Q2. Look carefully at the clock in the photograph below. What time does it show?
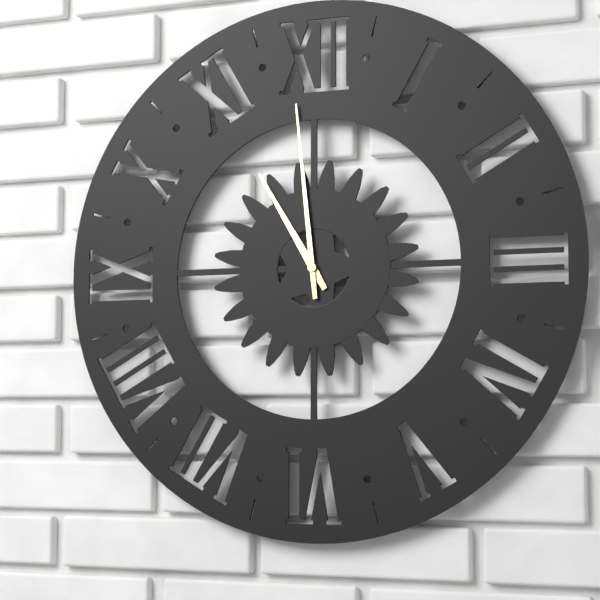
10:59
